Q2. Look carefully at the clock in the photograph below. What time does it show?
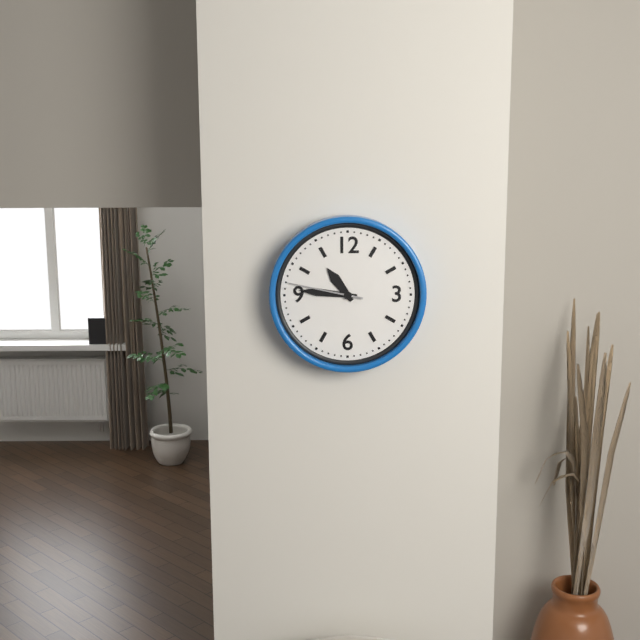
10:46:47
